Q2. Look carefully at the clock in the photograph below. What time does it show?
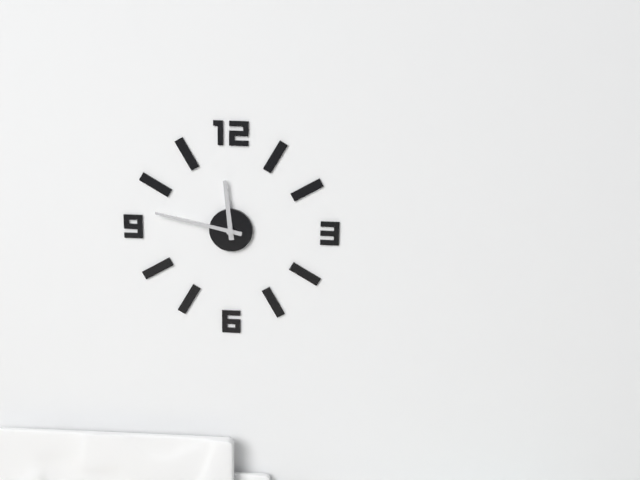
11:47
